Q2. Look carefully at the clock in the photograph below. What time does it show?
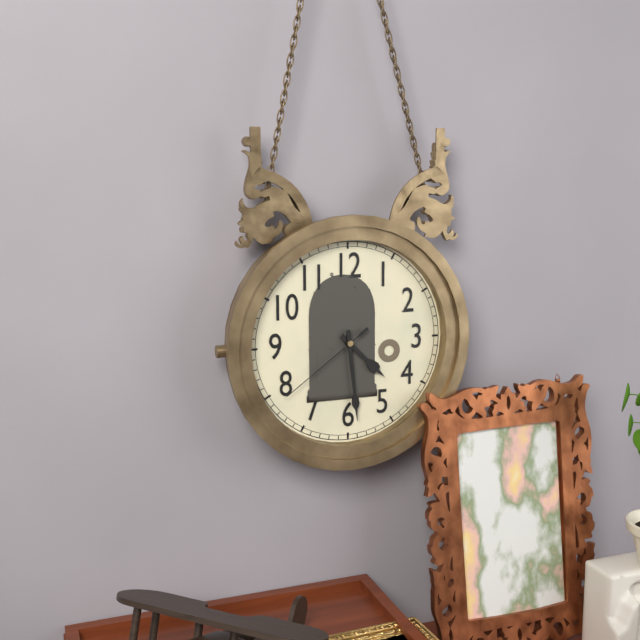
4:29:39
